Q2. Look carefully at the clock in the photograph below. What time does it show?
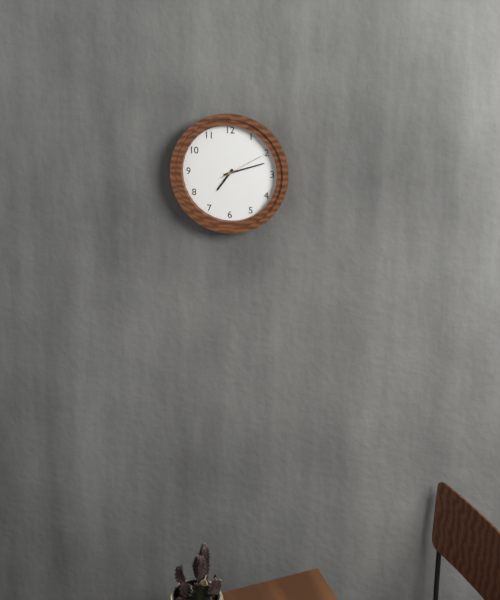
7:12:10
